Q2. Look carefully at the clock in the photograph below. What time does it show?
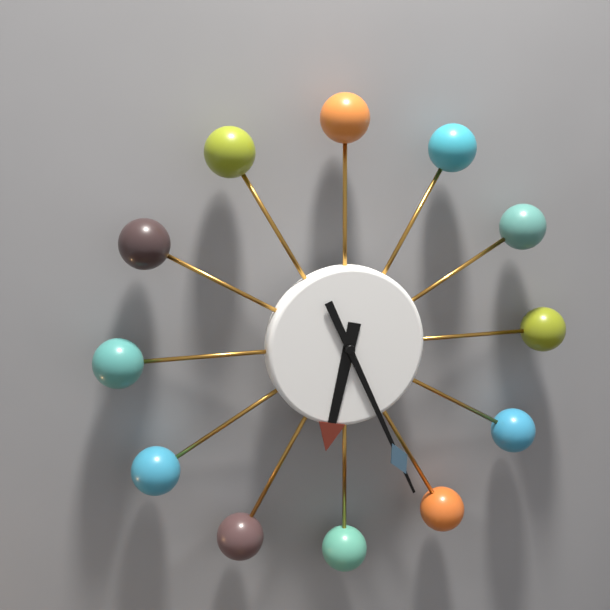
6:26
